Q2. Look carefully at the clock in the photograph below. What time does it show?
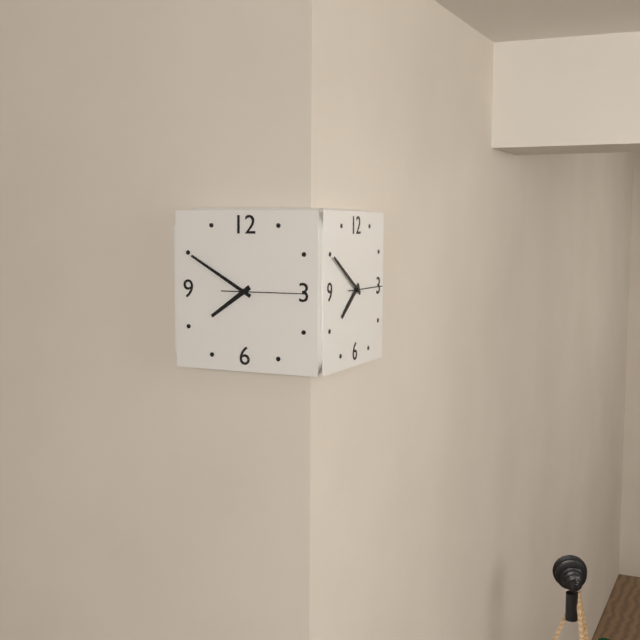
7:50:15
